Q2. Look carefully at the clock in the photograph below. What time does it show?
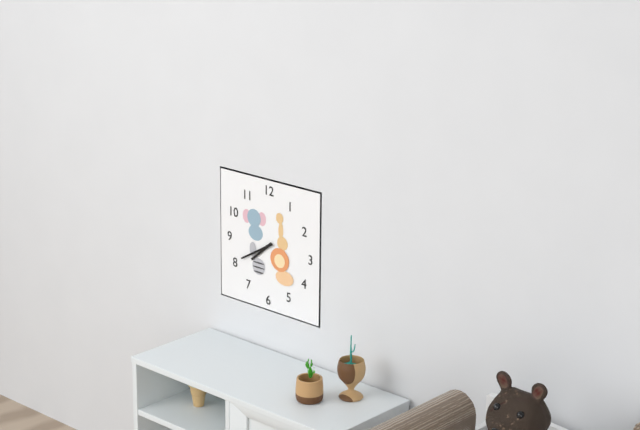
7:40
